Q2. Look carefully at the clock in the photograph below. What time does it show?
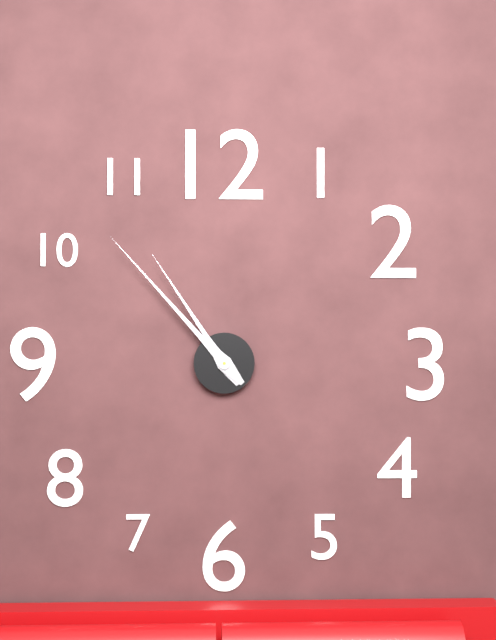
10:53
